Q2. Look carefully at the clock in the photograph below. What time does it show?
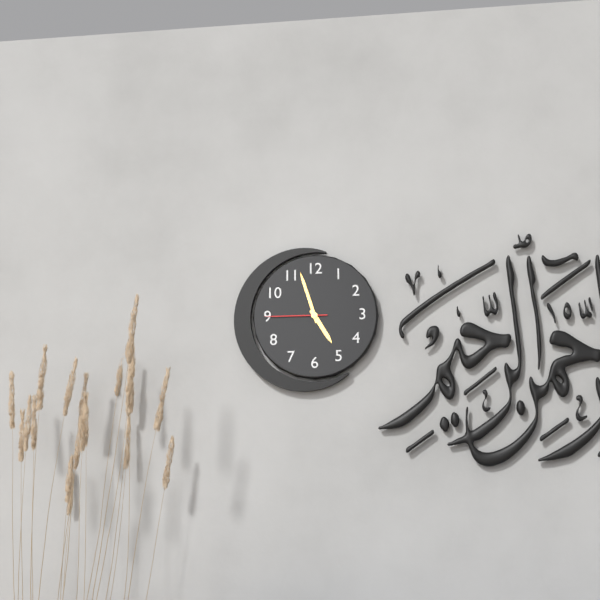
4:57:45
